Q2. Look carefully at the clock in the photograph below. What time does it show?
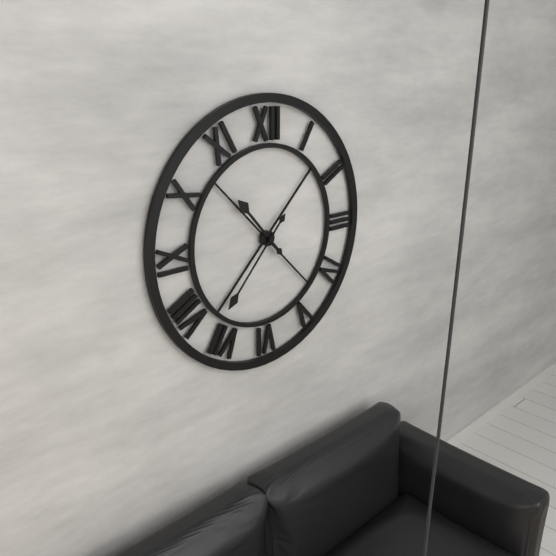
10:37
